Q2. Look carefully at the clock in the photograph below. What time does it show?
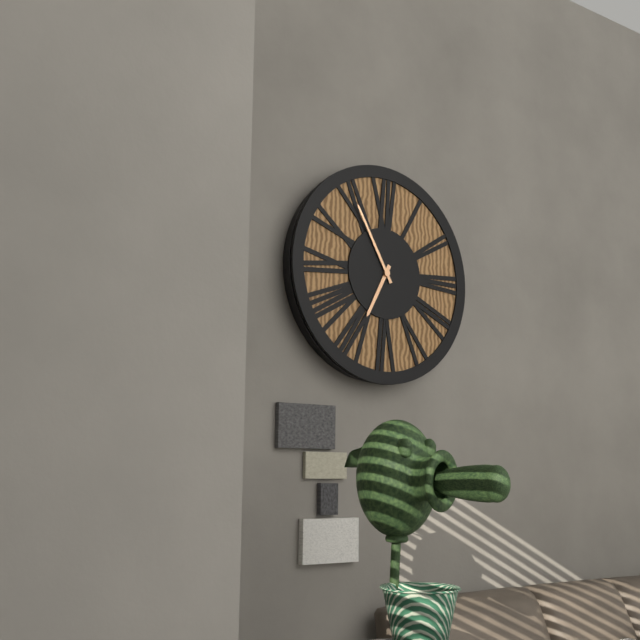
6:55
